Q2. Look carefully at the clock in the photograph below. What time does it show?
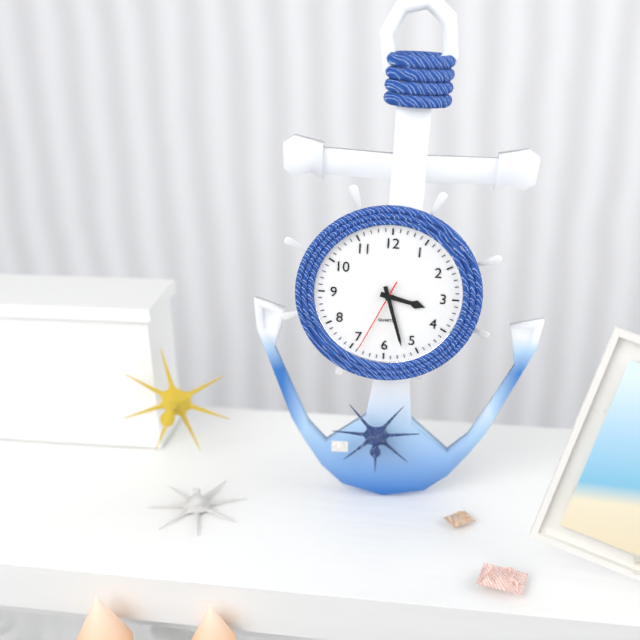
3:27:34
